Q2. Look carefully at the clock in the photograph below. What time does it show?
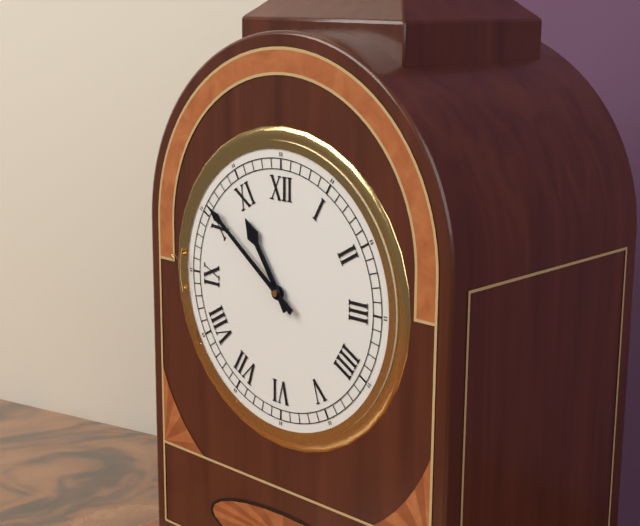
10:51
